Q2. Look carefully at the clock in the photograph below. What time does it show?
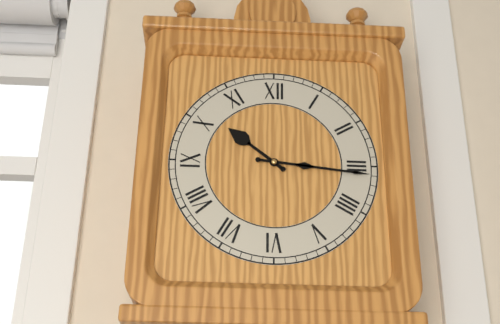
10:16
